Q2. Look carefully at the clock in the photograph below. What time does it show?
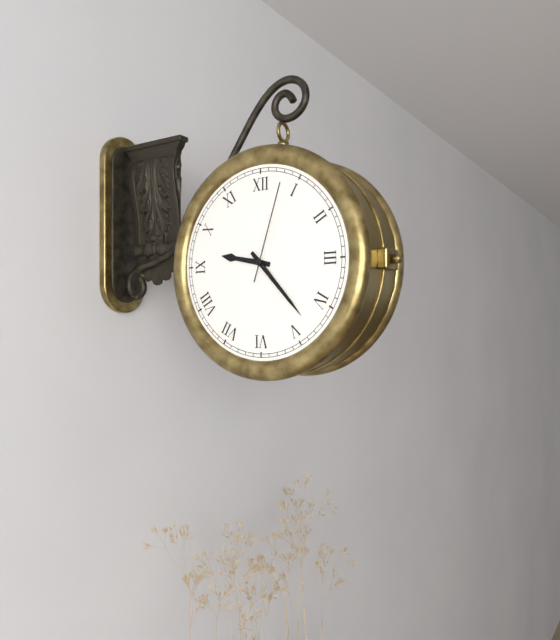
9:23:03
